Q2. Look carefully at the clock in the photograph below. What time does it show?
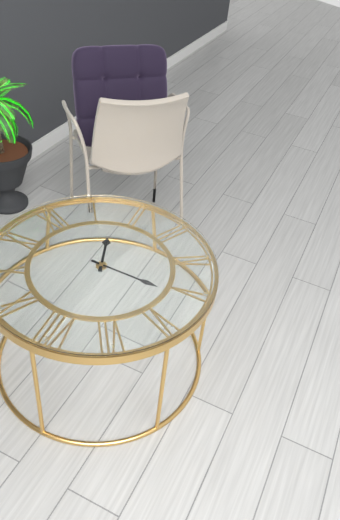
1:26
